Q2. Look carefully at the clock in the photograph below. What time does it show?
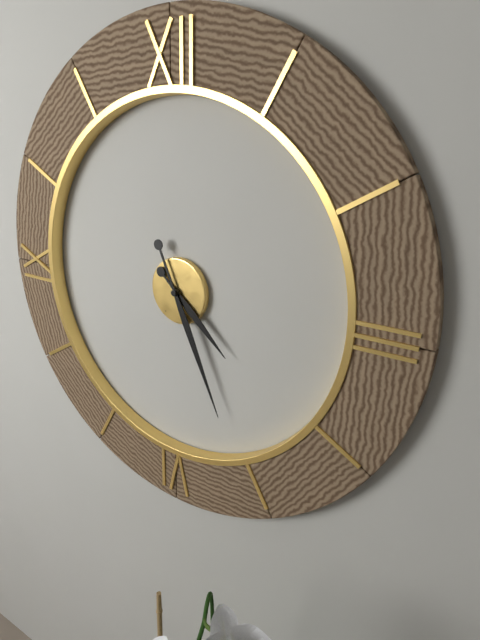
4:26
